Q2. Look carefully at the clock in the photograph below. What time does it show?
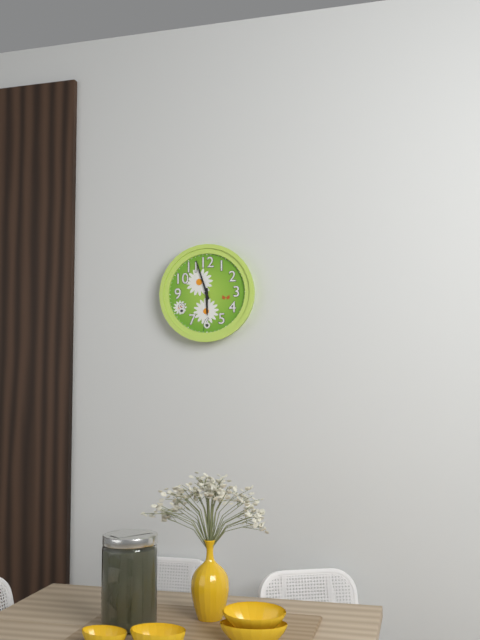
5:57
